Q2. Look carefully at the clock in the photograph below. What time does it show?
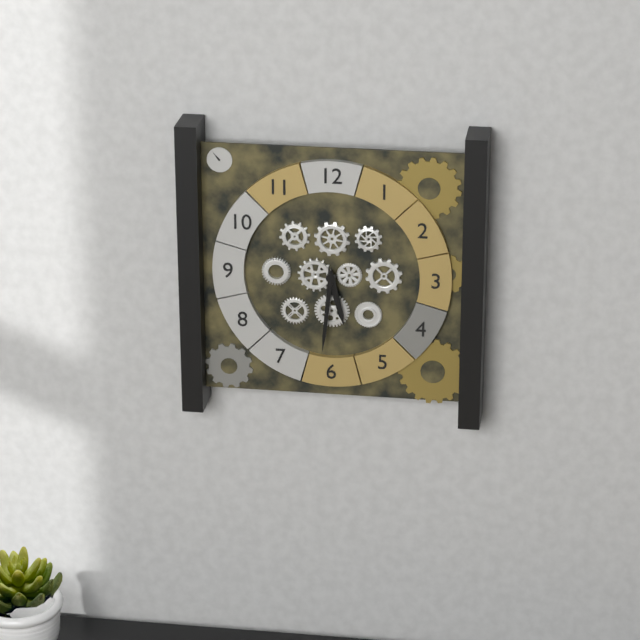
5:31
